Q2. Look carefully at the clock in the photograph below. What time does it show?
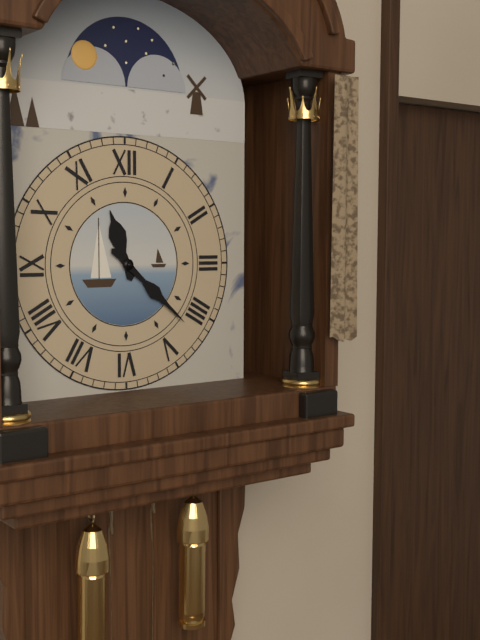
11:22
